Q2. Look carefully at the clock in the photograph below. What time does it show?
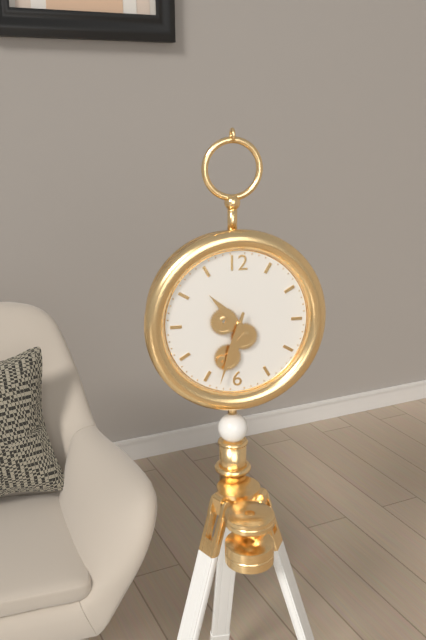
10:33
